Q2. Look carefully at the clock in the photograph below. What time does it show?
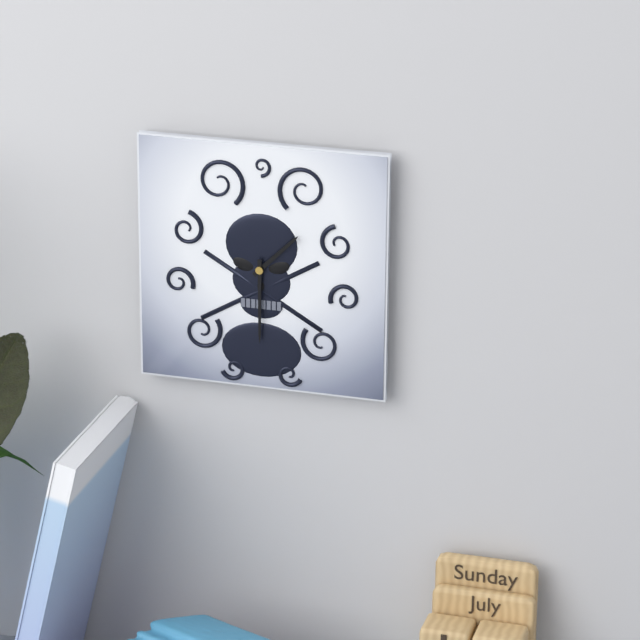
1:30
